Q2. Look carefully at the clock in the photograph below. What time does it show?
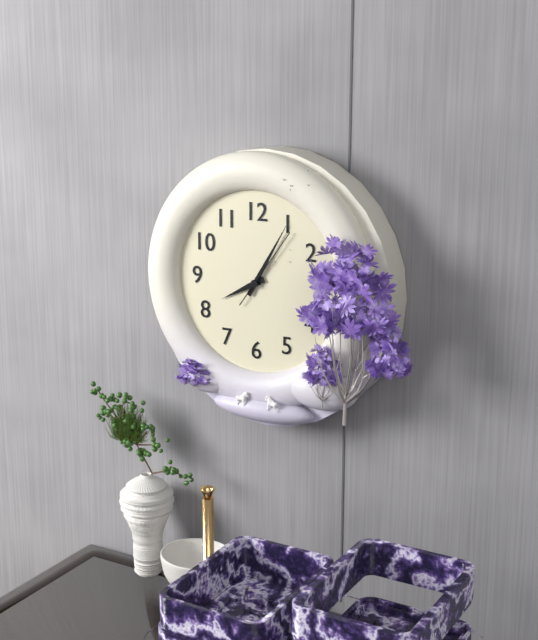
8:05:06
